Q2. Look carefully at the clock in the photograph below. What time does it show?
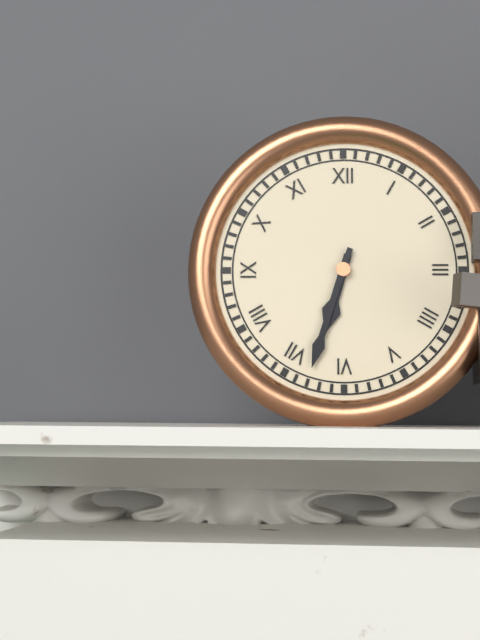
6:33
